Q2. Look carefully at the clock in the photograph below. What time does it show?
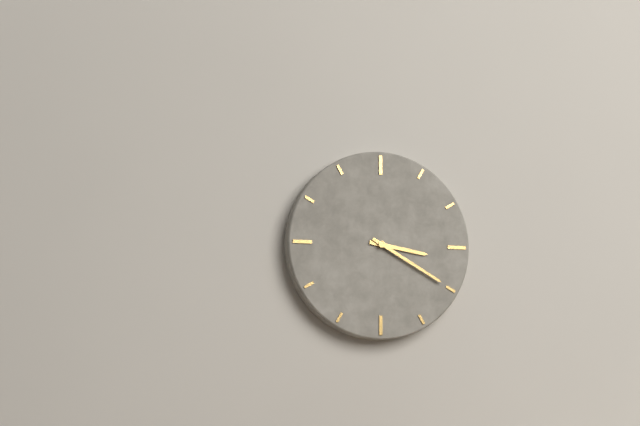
3:20
